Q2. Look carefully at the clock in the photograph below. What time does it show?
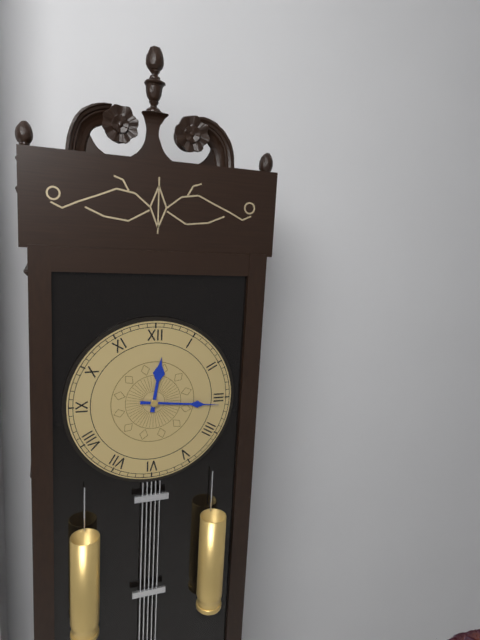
12:16
